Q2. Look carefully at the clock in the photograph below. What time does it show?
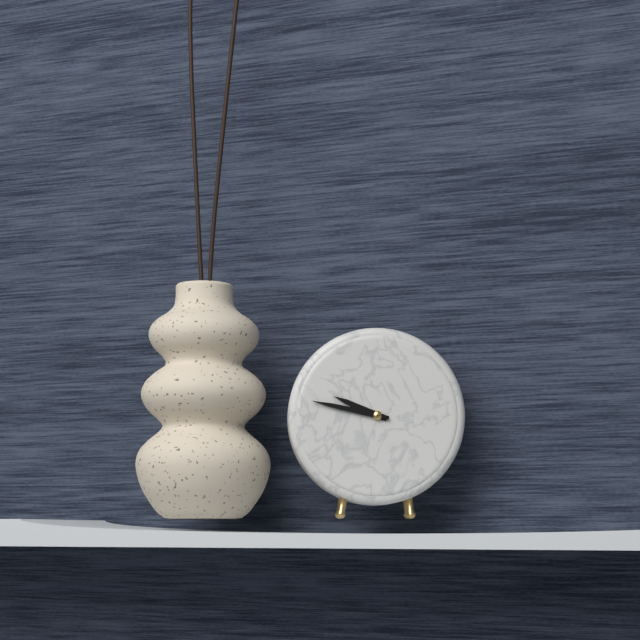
9:47
